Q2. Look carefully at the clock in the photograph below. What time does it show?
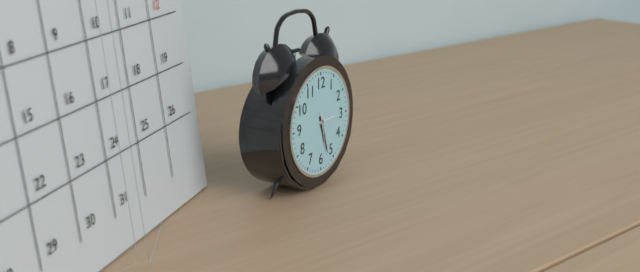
5:27
